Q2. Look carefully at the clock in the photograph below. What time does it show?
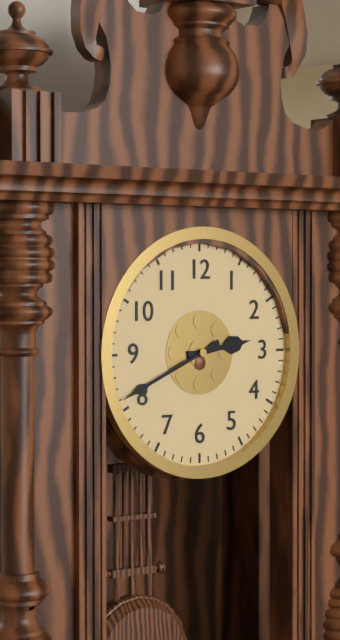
2:41
